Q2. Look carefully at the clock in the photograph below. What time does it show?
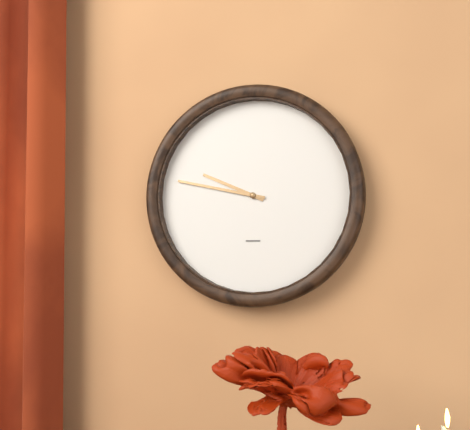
9:47
